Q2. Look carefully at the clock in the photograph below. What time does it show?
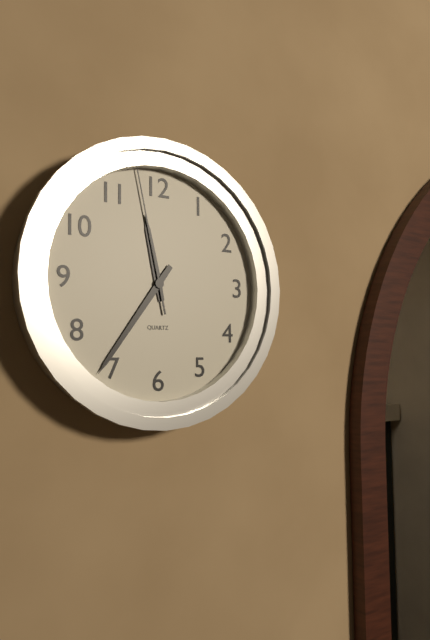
11:36:58
